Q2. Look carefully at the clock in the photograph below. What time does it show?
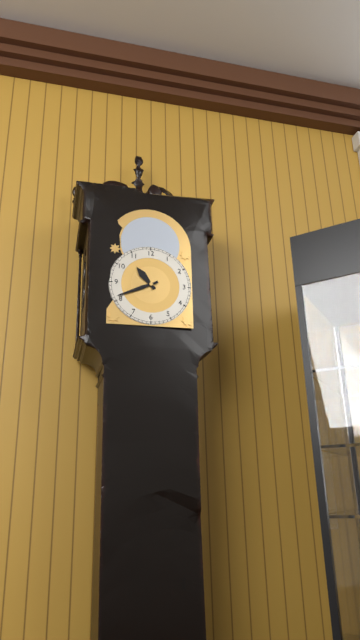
10:41
